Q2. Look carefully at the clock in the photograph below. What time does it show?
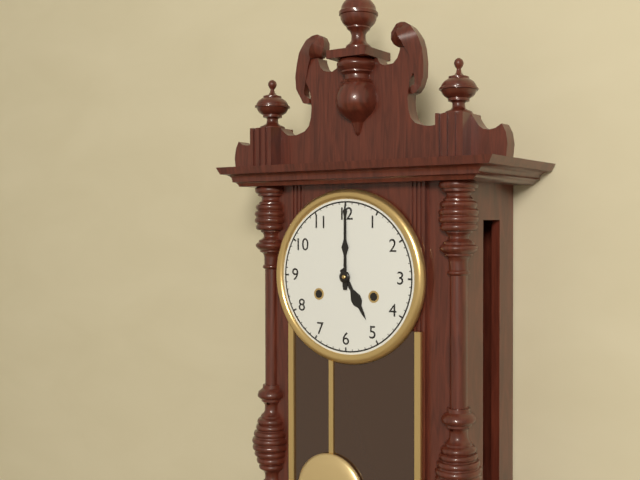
5:00
